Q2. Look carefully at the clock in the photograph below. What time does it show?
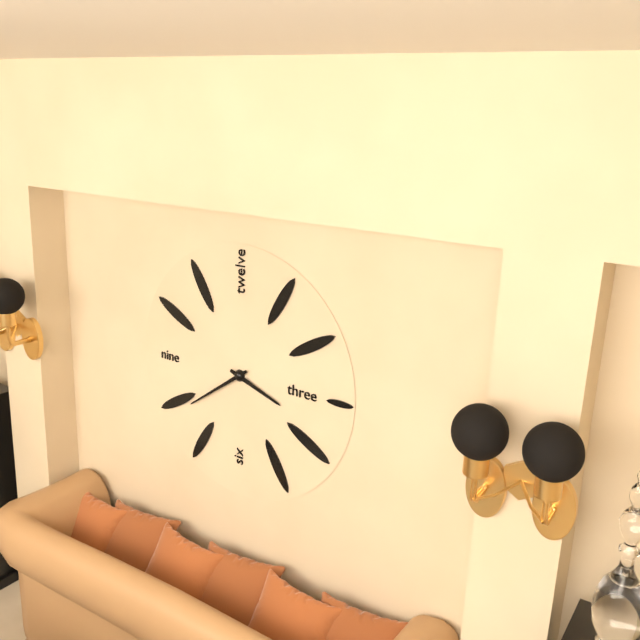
3:39
